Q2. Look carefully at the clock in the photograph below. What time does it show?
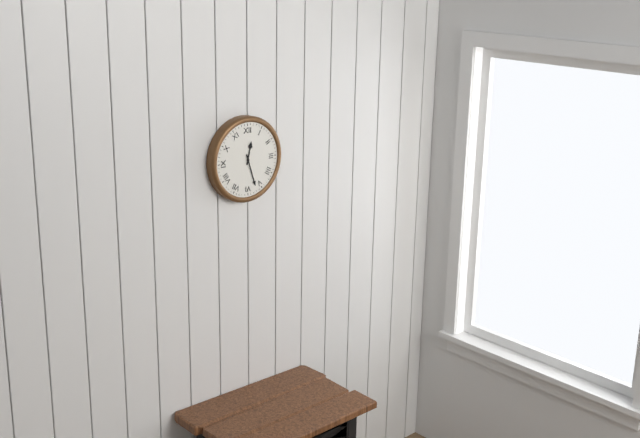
12:27
